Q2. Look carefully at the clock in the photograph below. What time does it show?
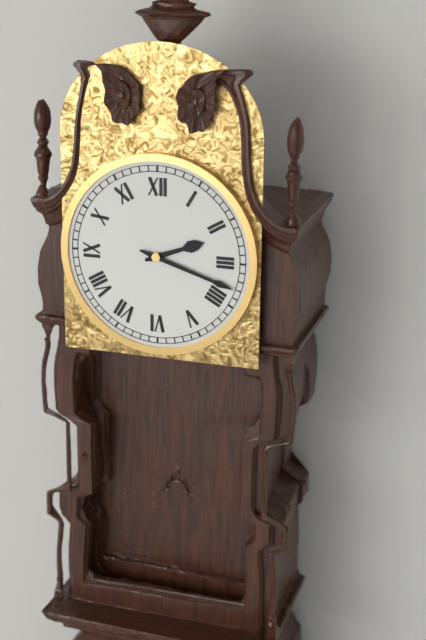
2:18
